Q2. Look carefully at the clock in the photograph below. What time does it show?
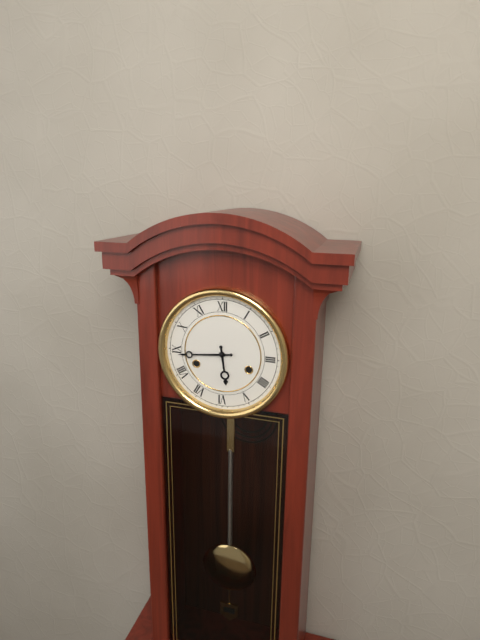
5:44
